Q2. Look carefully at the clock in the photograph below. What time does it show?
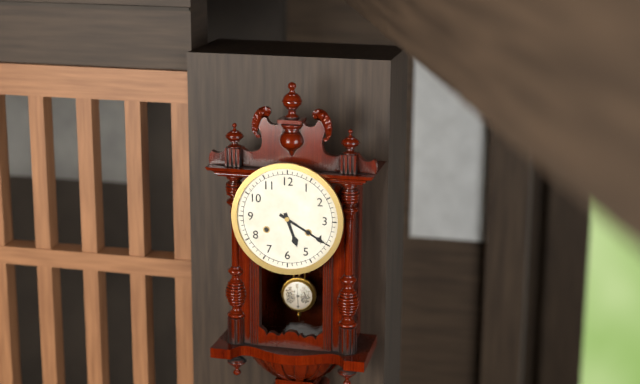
5:20
